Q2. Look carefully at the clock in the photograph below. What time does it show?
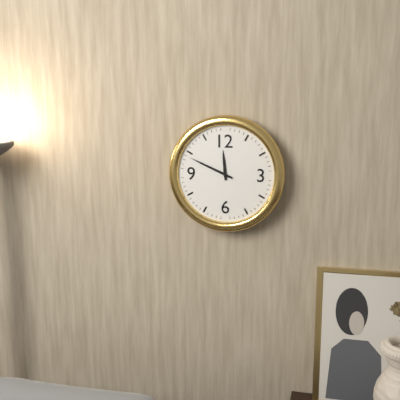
11:49
